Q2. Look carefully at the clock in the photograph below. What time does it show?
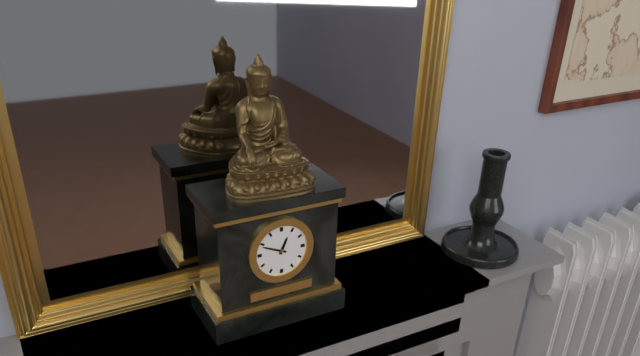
12:49
